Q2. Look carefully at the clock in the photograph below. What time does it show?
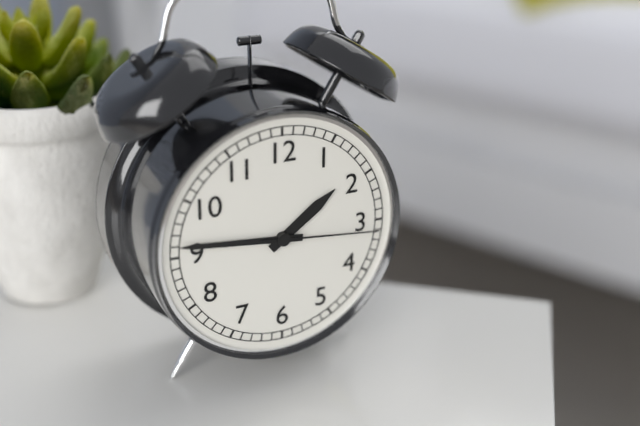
1:46:16
